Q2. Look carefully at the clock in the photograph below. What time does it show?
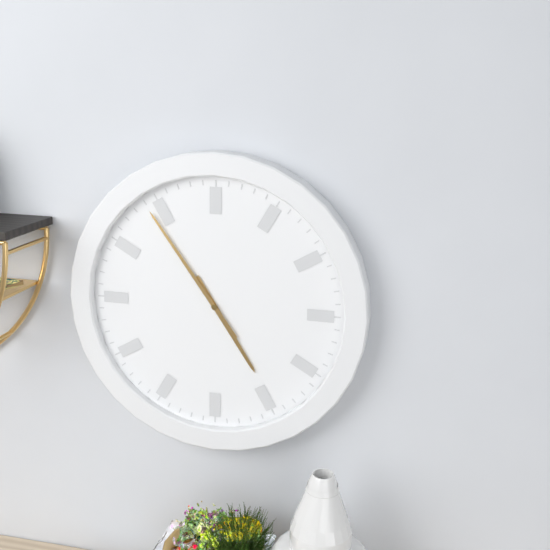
4:54
